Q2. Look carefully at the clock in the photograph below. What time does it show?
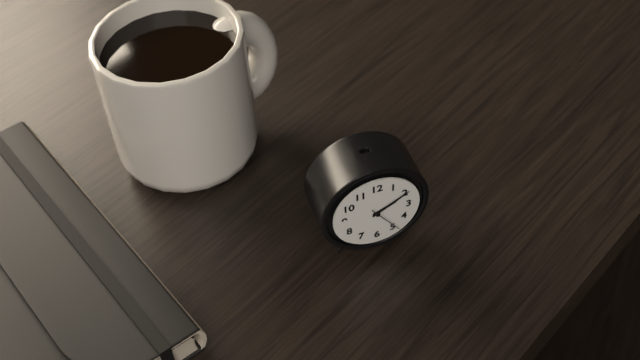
2:10
